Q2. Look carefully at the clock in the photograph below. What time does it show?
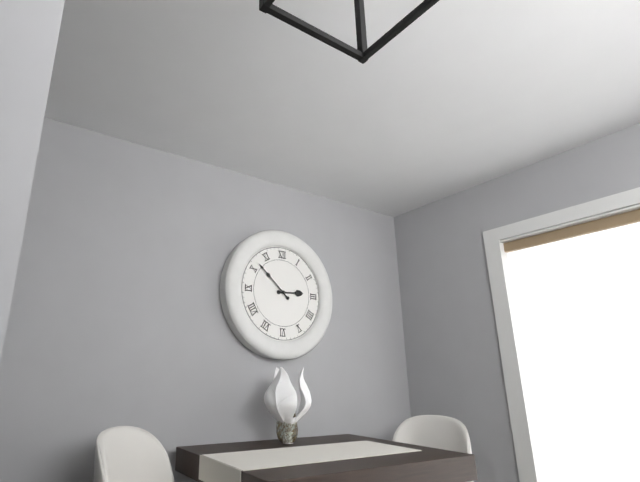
2:52
